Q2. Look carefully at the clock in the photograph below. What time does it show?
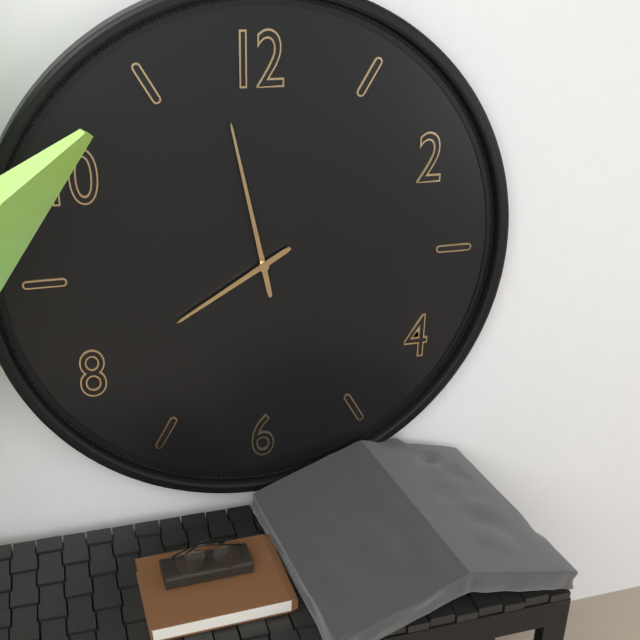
7:58
